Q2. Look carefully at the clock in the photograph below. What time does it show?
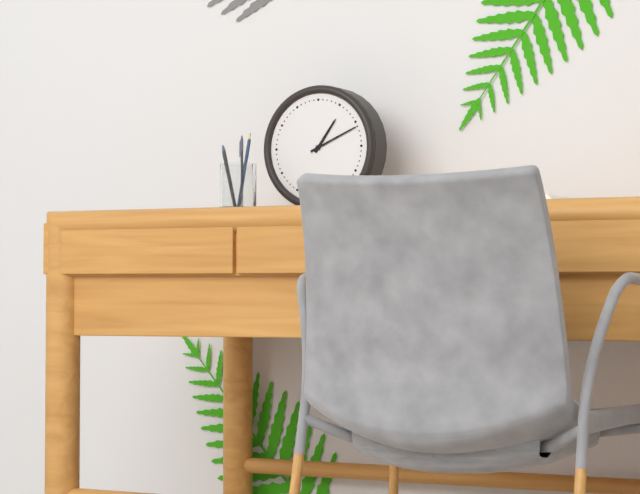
1:11
